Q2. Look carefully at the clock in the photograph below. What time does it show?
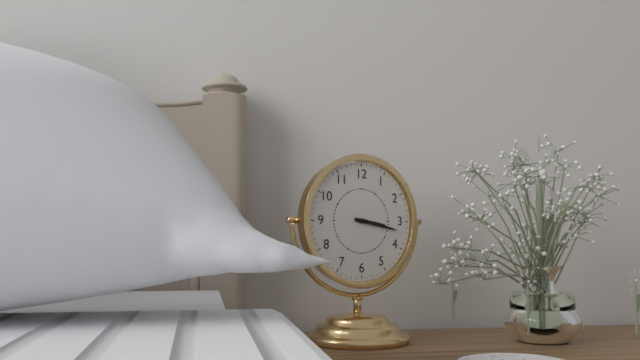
3:17
